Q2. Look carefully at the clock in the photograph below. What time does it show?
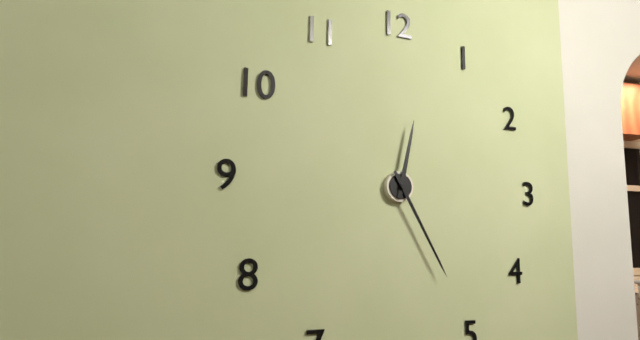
12:25
